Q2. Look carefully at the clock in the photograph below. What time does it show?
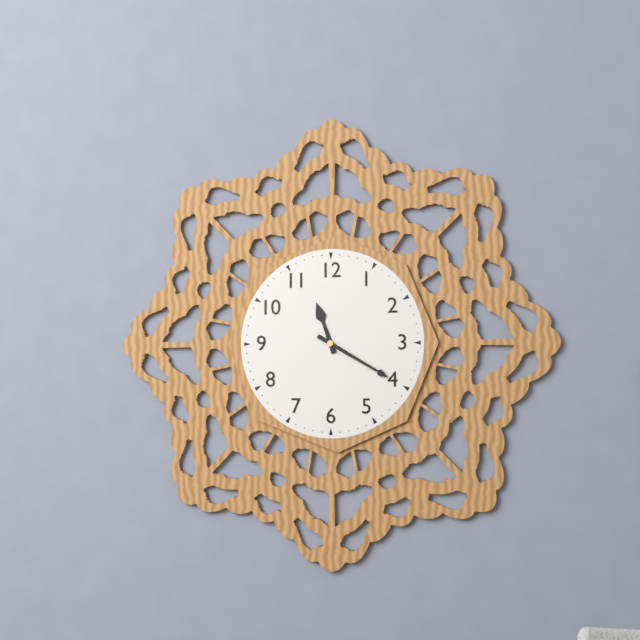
11:20
